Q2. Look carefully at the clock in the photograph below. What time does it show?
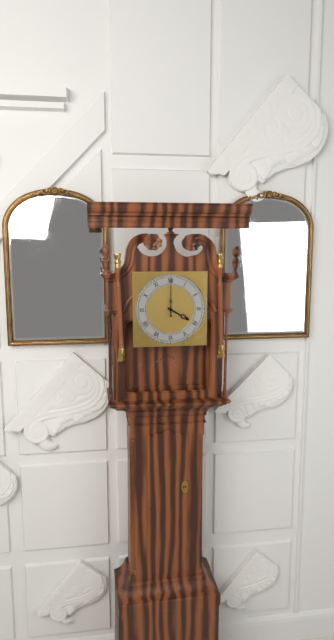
4:00
